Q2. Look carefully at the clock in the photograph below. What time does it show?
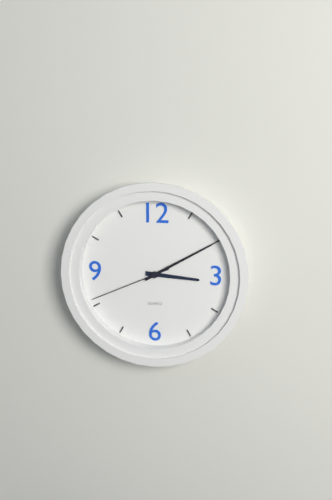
3:10:41
